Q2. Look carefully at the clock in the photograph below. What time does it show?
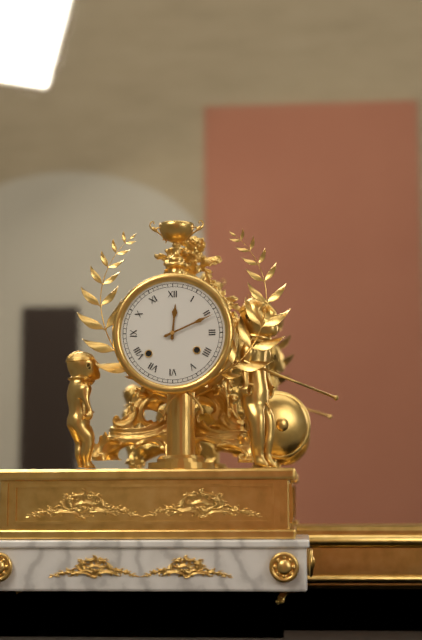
12:11
